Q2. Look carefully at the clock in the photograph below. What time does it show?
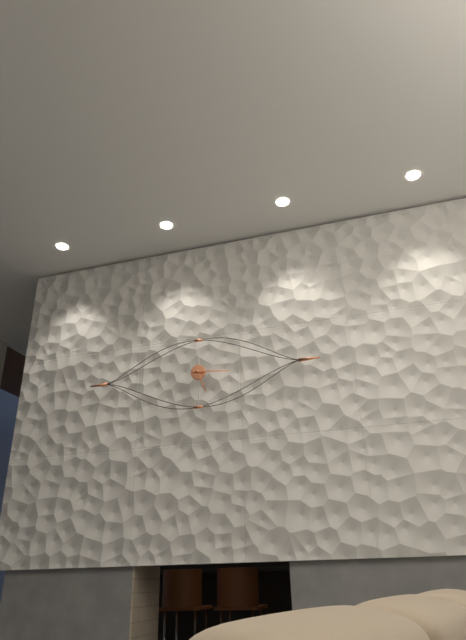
5:16
